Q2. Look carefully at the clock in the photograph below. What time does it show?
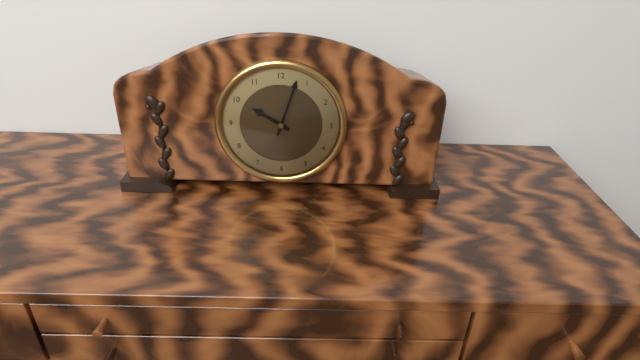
10:03
